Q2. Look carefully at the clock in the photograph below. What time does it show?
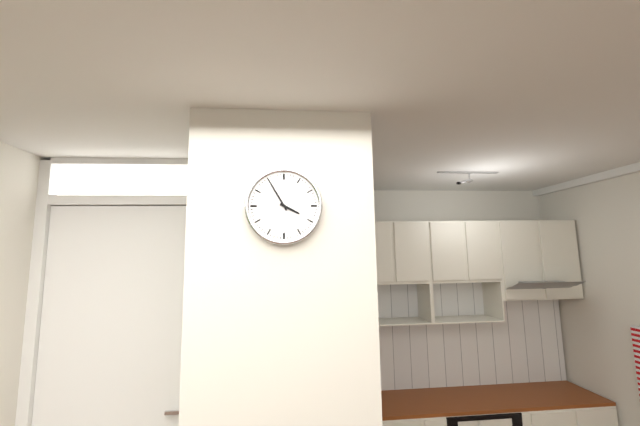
3:55
